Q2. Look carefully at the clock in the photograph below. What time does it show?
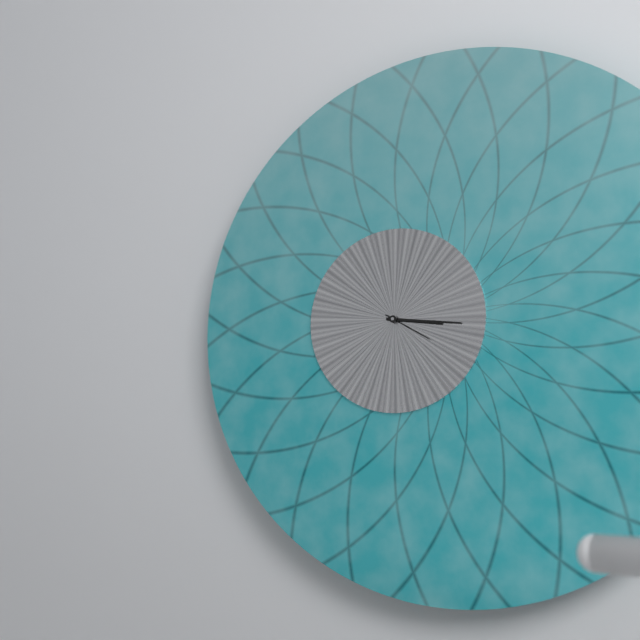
3:16:20
